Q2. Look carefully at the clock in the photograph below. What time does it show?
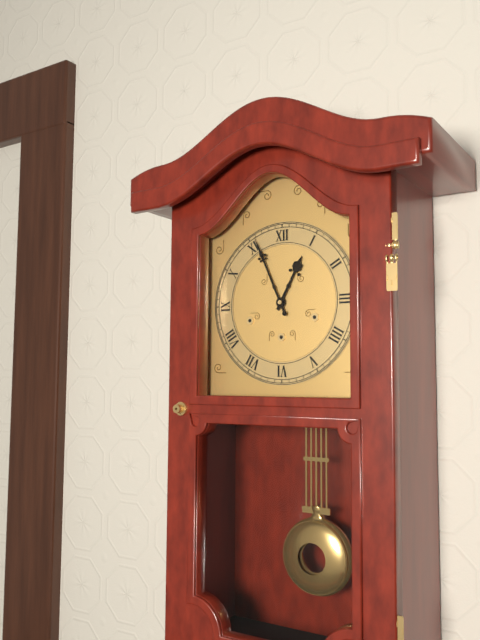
12:56
